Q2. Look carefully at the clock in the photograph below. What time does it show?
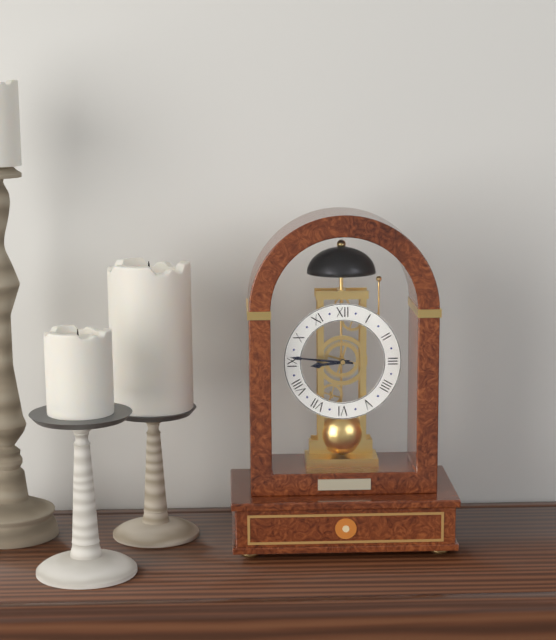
8:46
